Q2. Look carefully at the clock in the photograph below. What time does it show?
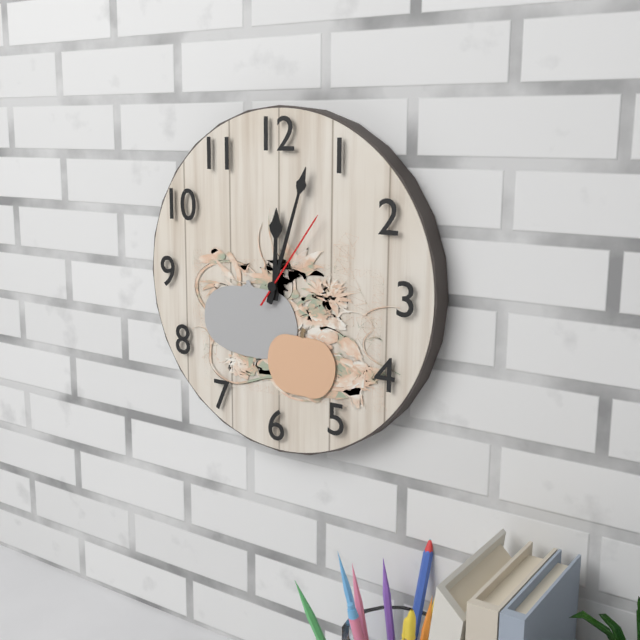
12:03:06
